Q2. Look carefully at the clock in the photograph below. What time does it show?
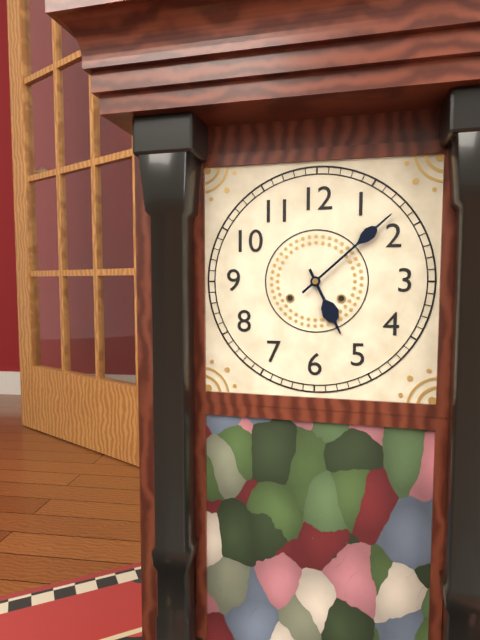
5:08
